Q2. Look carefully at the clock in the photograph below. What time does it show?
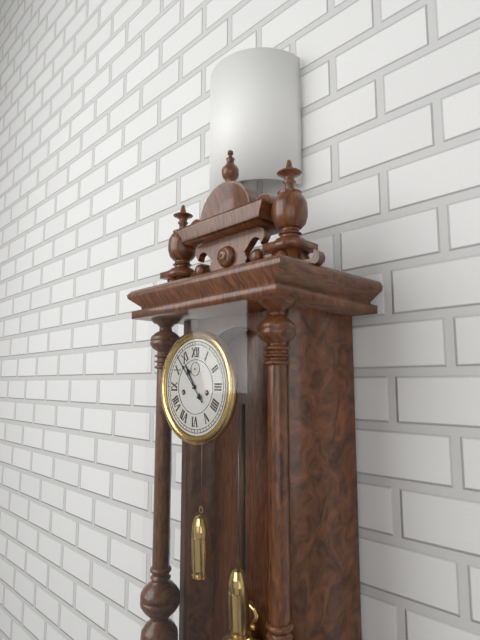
10:53
